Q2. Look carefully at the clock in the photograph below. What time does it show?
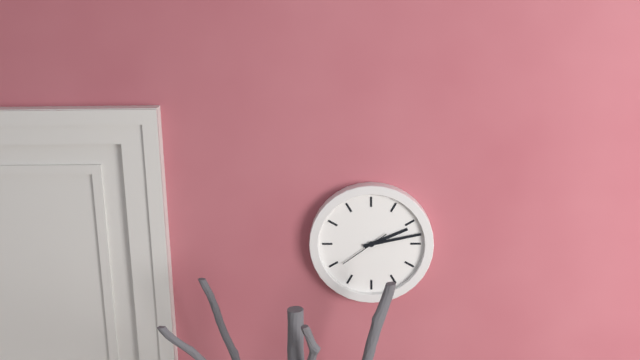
2:13
